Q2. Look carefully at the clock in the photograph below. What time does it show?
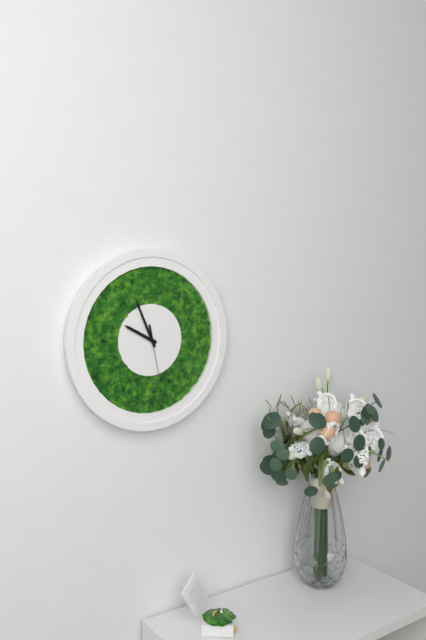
9:56
